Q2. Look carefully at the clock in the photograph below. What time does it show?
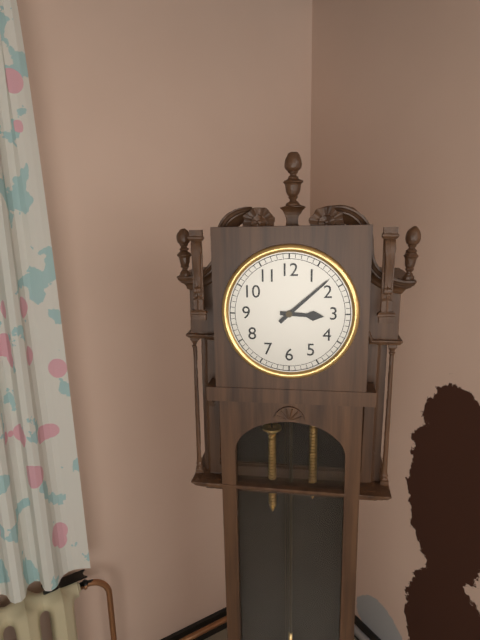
3:08
